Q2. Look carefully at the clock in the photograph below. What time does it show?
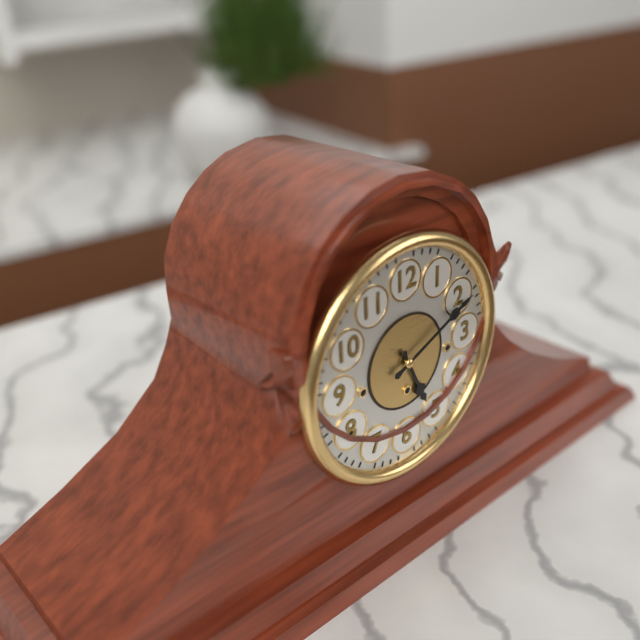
5:11
